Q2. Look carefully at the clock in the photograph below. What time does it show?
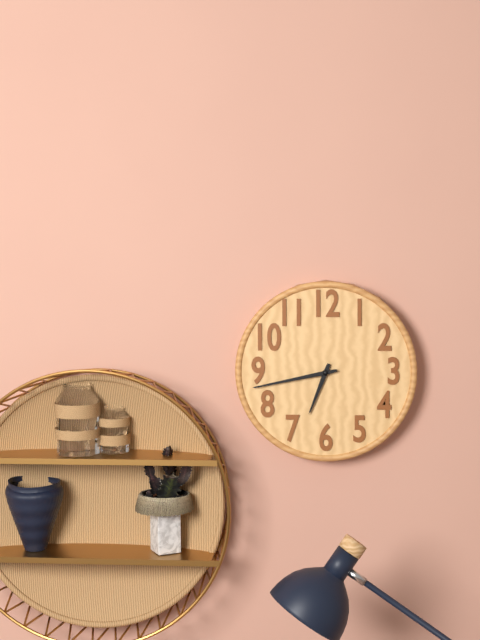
6:43
